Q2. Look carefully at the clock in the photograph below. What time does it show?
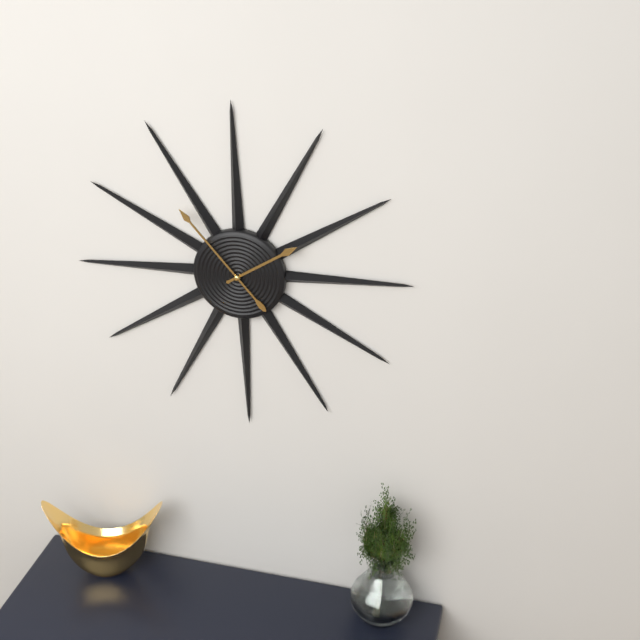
1:53
